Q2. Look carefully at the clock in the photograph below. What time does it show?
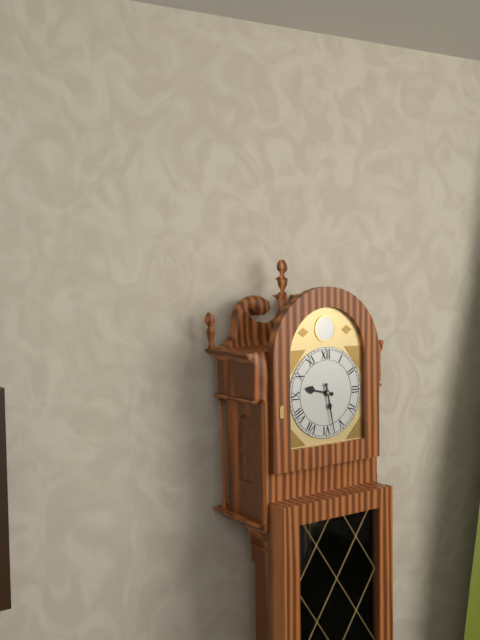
9:28
